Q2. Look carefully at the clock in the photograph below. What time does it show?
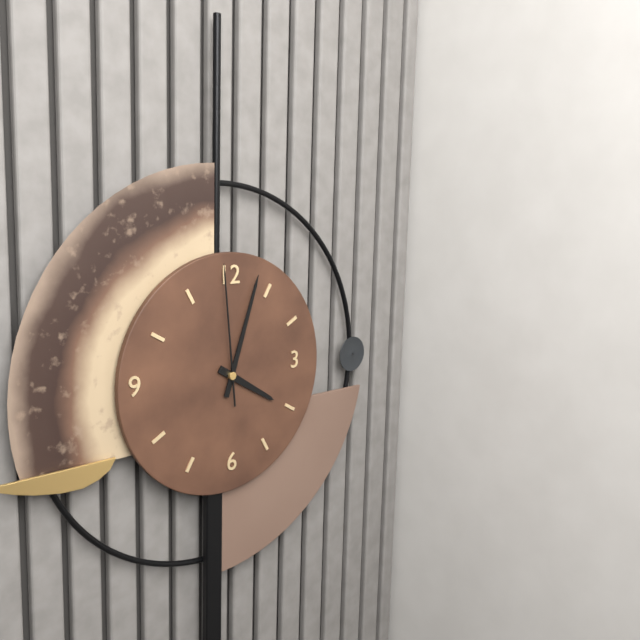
4:03:59
